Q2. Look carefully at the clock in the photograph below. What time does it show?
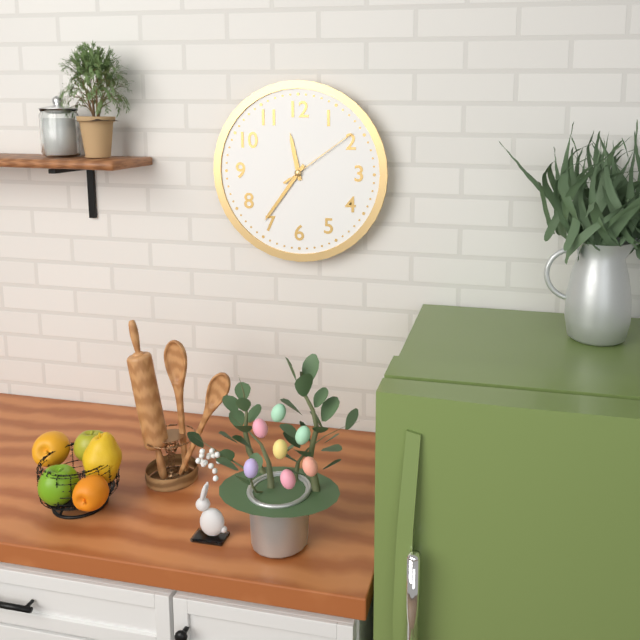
11:36:09
